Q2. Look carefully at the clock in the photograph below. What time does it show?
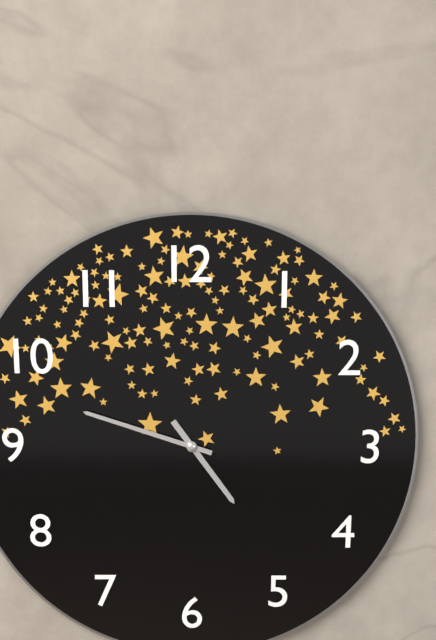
4:48
